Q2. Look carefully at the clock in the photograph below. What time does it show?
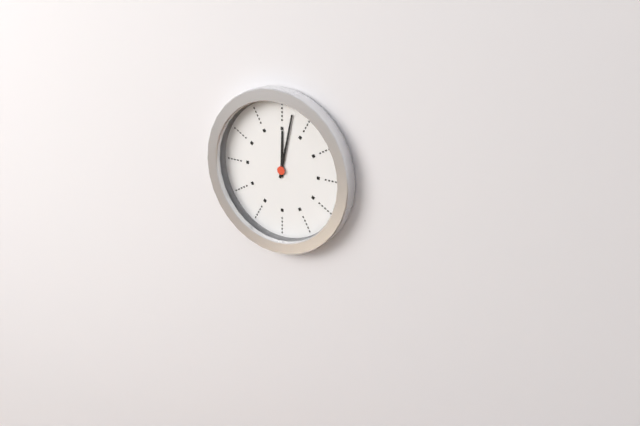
12:02
